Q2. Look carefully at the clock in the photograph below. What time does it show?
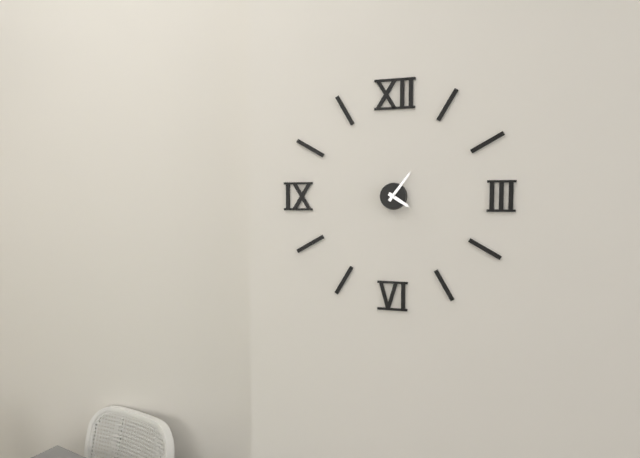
4:06
